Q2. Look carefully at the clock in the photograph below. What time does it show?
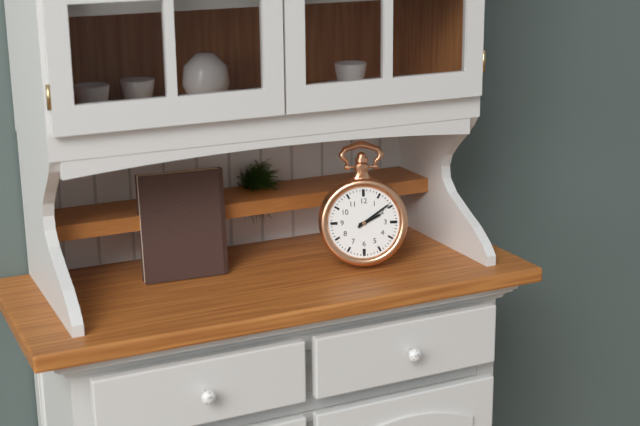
2:09
